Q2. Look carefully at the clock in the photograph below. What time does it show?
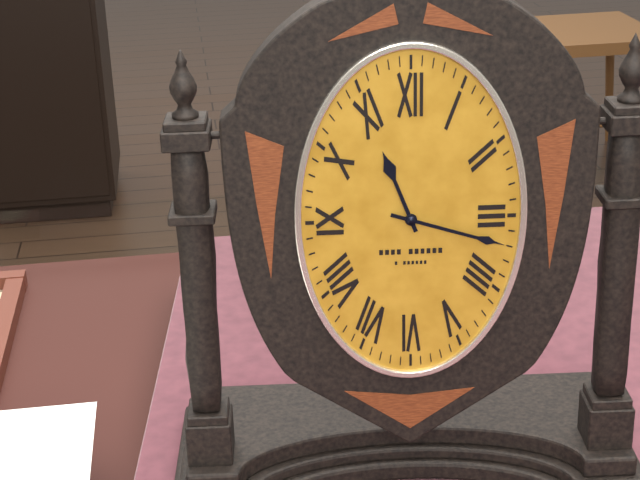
11:18
